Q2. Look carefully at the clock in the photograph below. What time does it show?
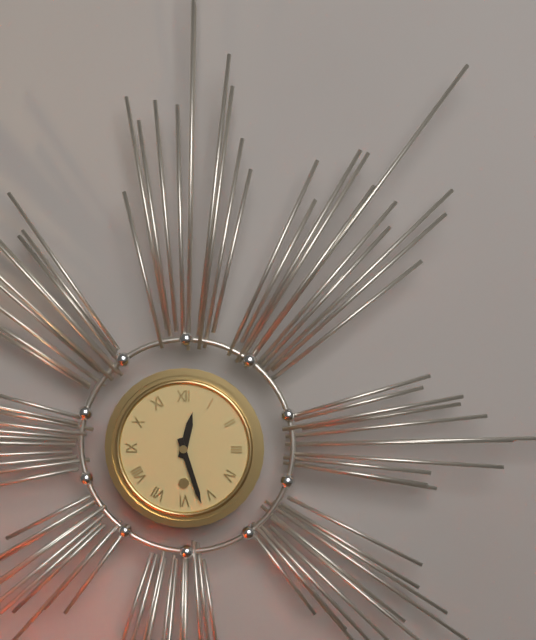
12:27
